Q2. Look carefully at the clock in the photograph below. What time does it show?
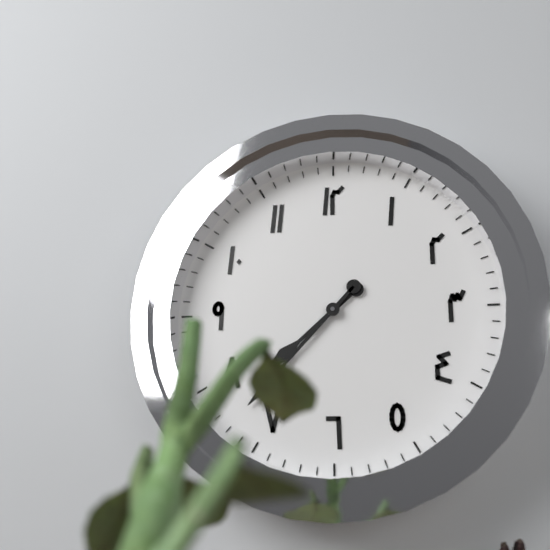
7:37
